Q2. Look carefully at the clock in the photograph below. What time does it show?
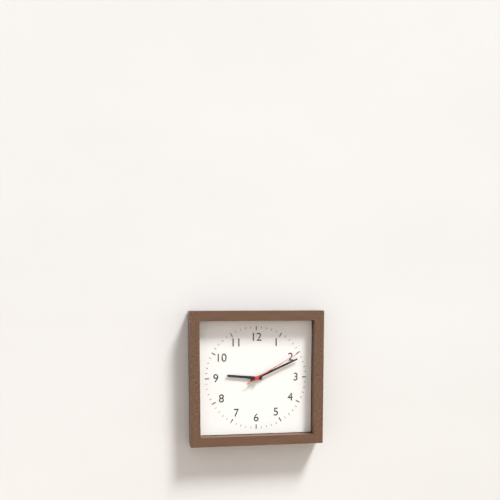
9:11:10
